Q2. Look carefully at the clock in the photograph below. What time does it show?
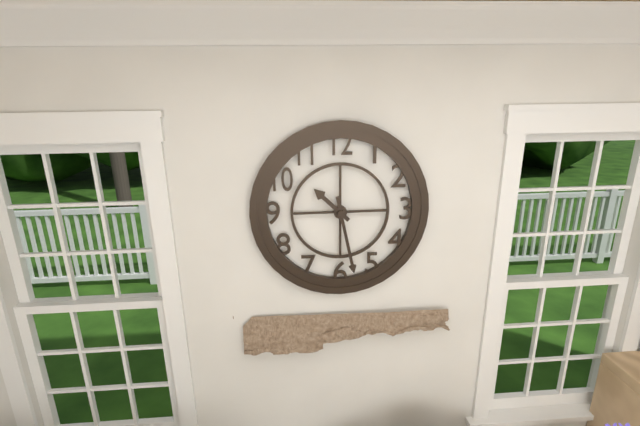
10:28
